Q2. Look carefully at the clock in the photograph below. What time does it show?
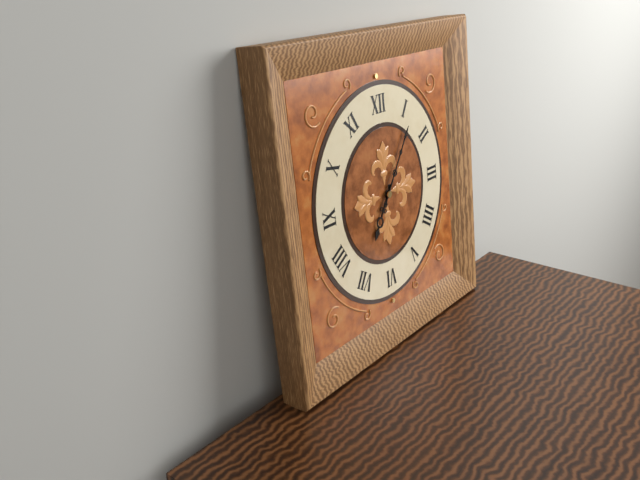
7:06
